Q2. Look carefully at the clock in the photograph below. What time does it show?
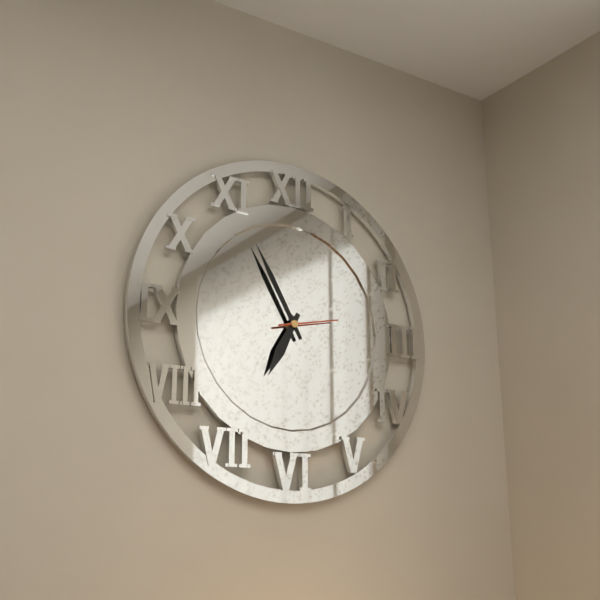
6:55:13
